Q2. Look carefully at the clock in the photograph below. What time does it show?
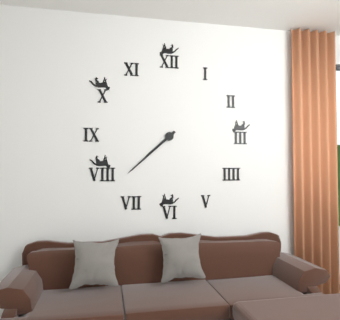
7:38
